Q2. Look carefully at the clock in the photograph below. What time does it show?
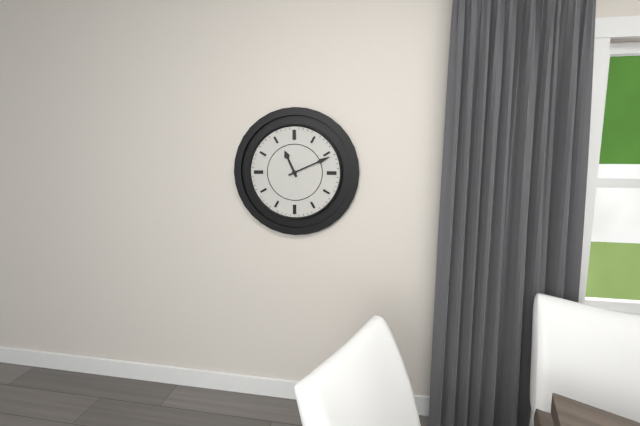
11:11
